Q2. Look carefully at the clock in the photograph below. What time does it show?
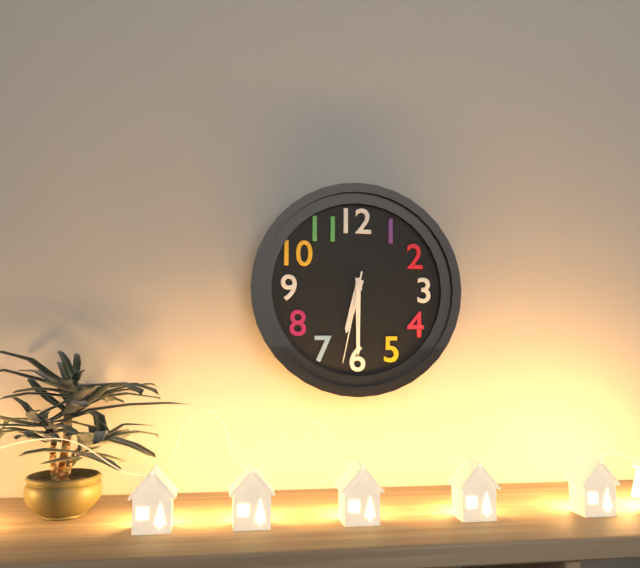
6:30:32
